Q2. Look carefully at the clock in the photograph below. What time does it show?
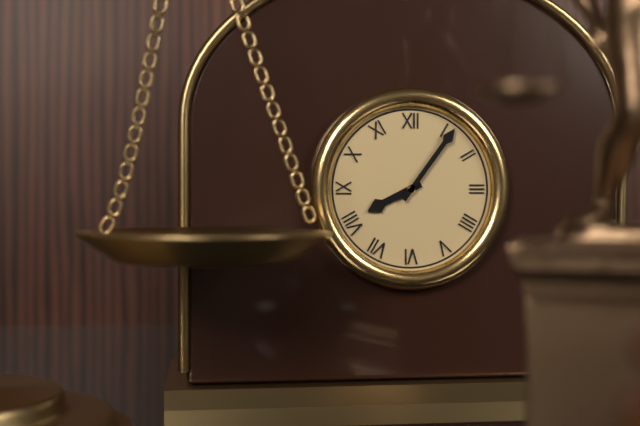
8:06
